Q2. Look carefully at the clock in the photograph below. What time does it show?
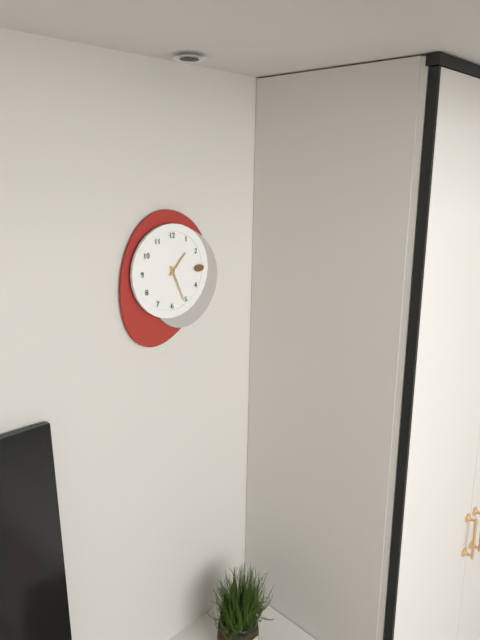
1:26
